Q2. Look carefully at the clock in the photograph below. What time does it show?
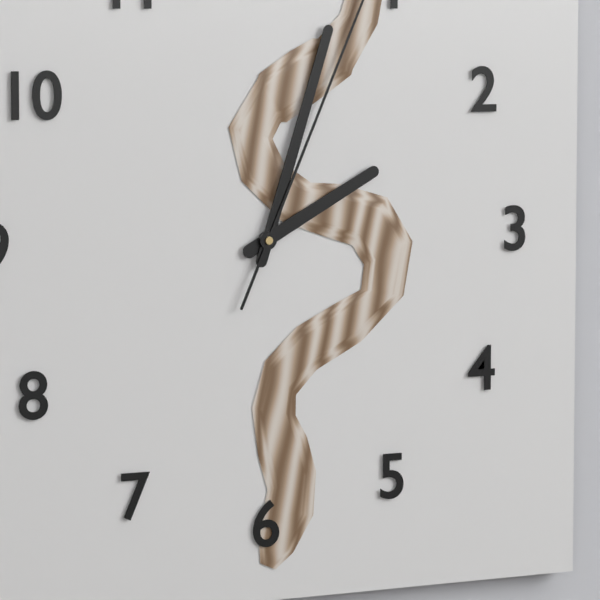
2:03
